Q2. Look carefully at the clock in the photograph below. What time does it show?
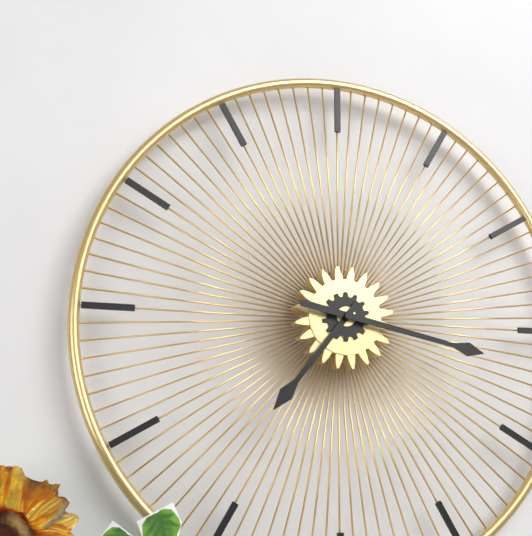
7:17
